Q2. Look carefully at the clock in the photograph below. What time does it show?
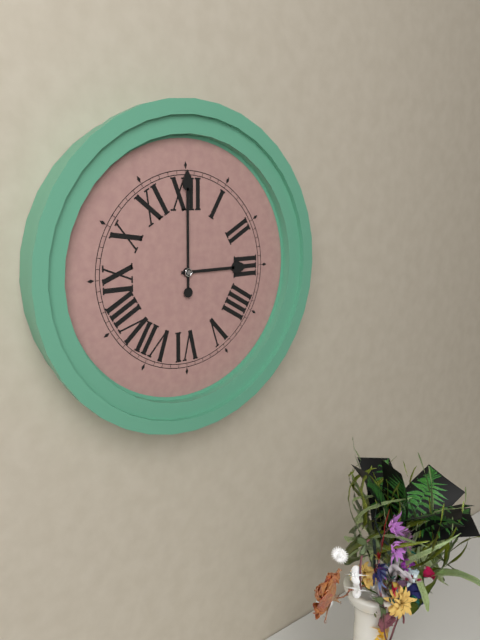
3:00
